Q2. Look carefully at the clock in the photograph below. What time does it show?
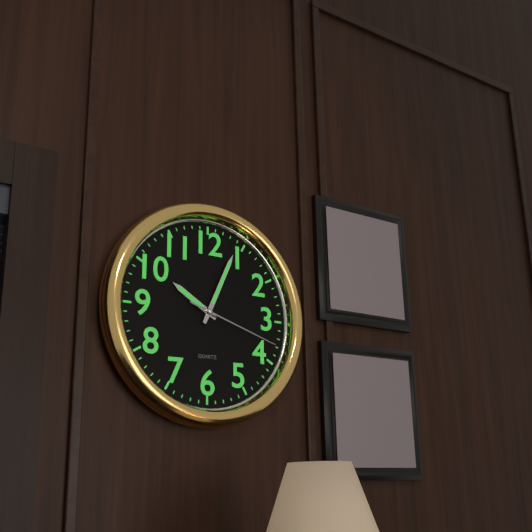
10:04:18
